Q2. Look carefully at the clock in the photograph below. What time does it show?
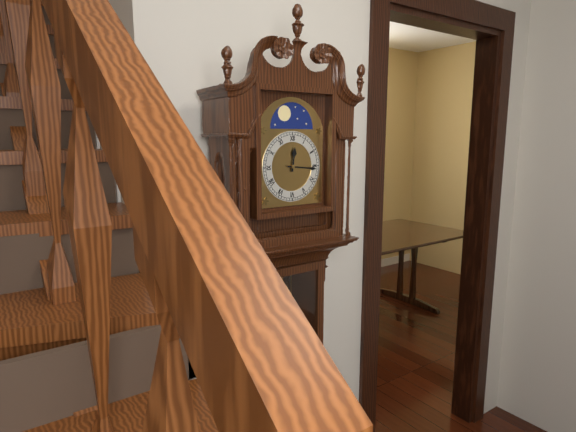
12:16
